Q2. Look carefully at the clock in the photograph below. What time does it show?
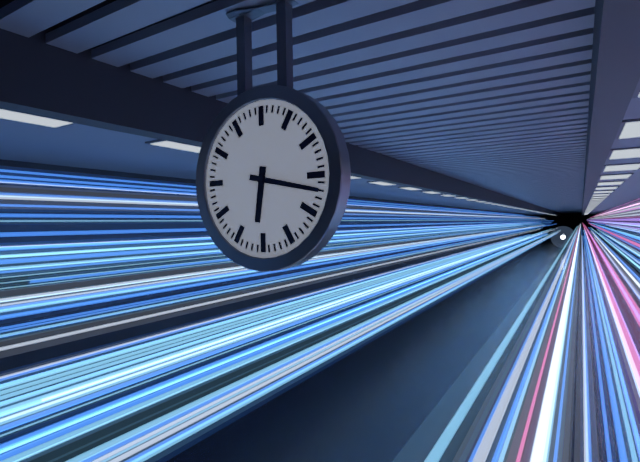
6:17
